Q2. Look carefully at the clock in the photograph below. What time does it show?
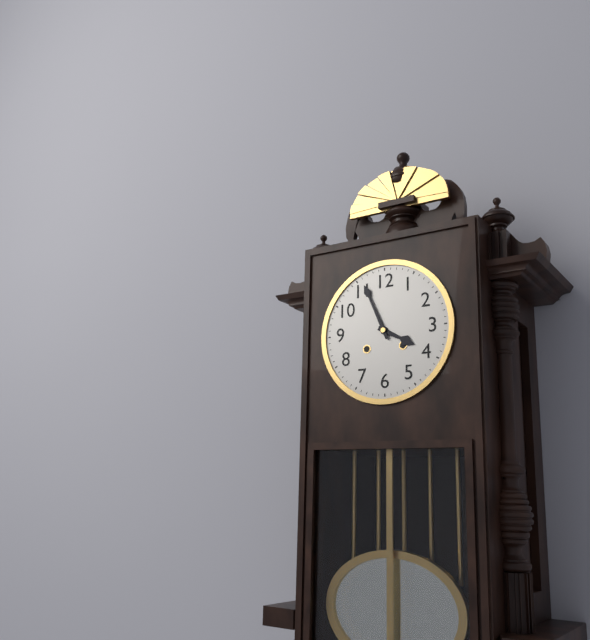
3:56
